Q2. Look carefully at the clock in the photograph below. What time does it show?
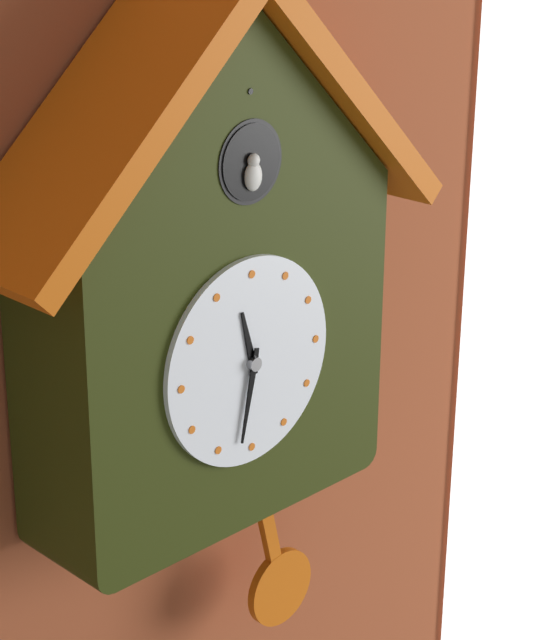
11:32
